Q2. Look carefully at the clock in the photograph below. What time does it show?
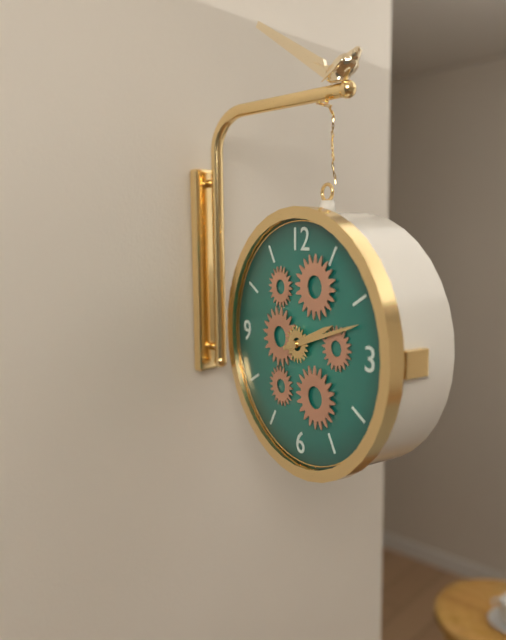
2:12
